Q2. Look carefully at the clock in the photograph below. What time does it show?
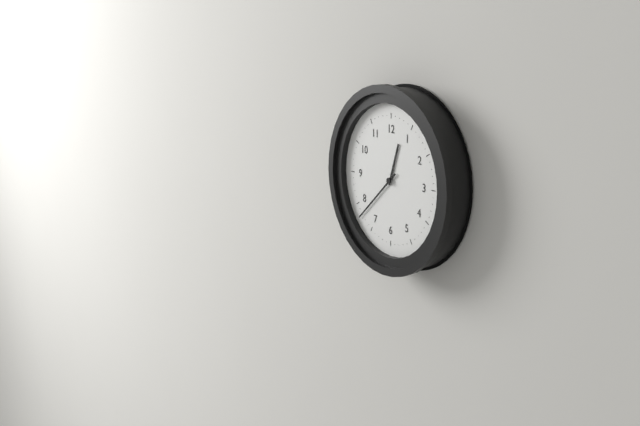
12:38
